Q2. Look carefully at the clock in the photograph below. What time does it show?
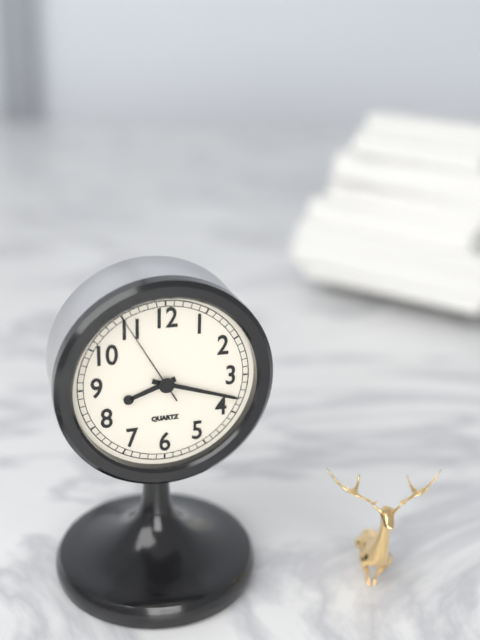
8:18:55
